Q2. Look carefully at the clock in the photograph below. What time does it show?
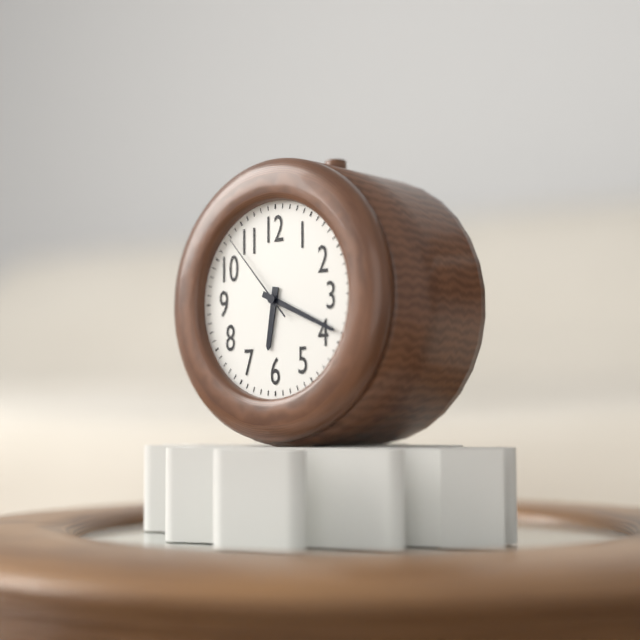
6:19:53
